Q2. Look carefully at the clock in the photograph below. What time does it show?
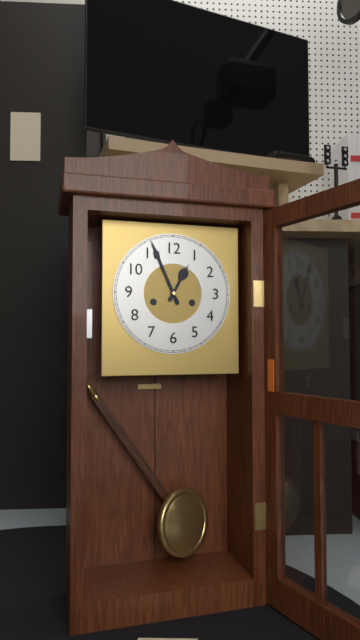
12:56
